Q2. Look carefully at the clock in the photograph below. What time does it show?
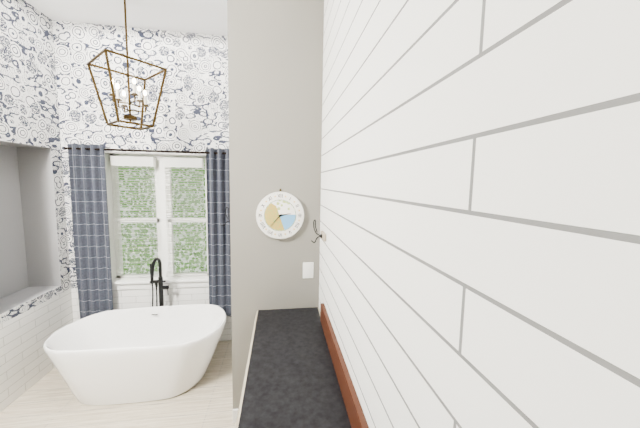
2:37
